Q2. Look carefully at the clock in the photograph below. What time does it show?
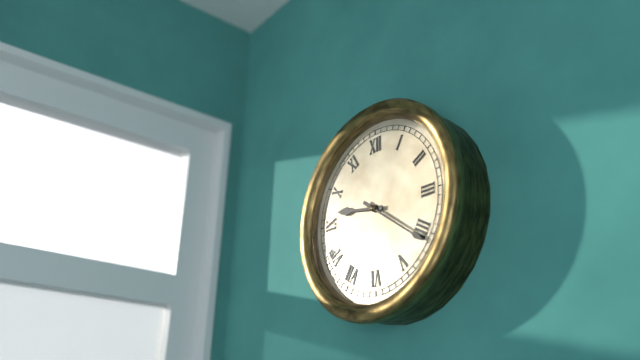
9:21
